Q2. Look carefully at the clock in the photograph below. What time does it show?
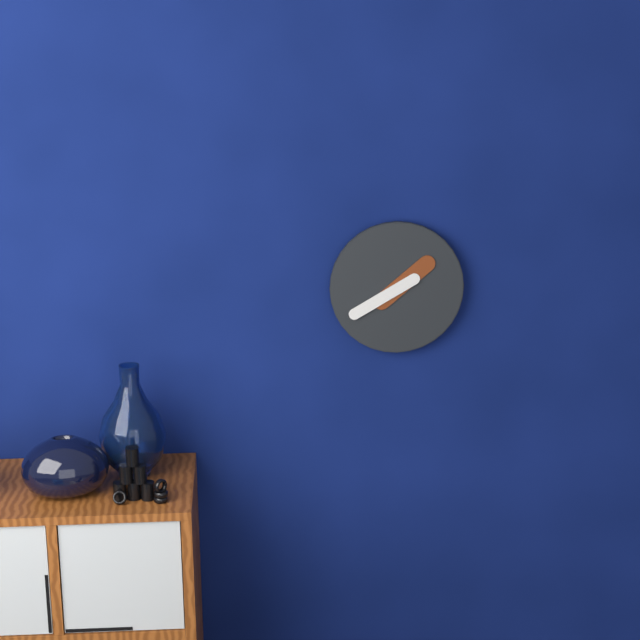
1:40
